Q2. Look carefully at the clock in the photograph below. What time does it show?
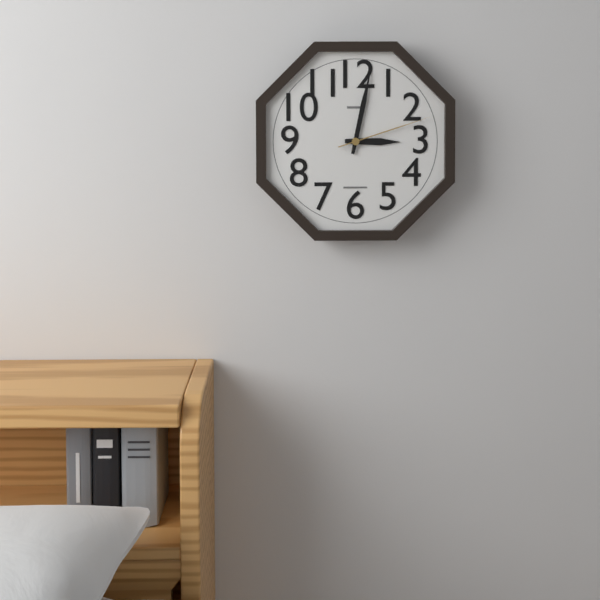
3:02:12
